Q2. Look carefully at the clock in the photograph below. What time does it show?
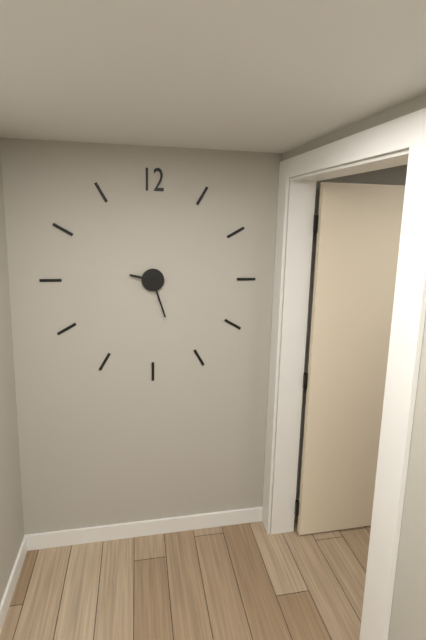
9:27
